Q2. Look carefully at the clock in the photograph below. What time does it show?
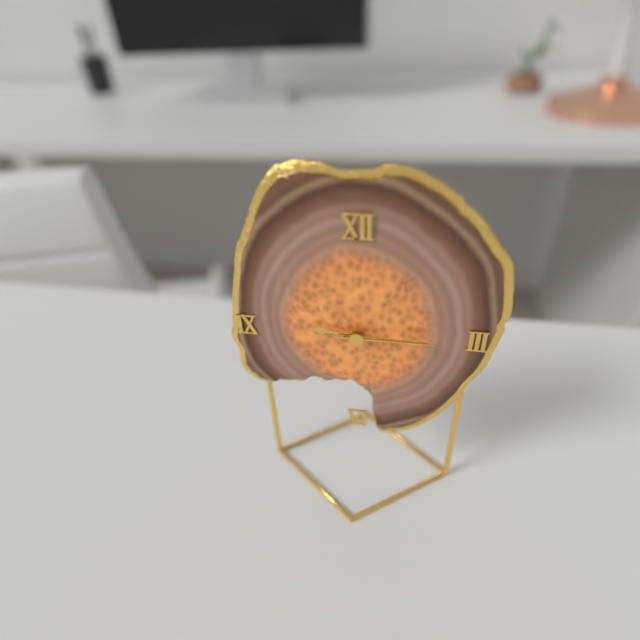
9:15:15
